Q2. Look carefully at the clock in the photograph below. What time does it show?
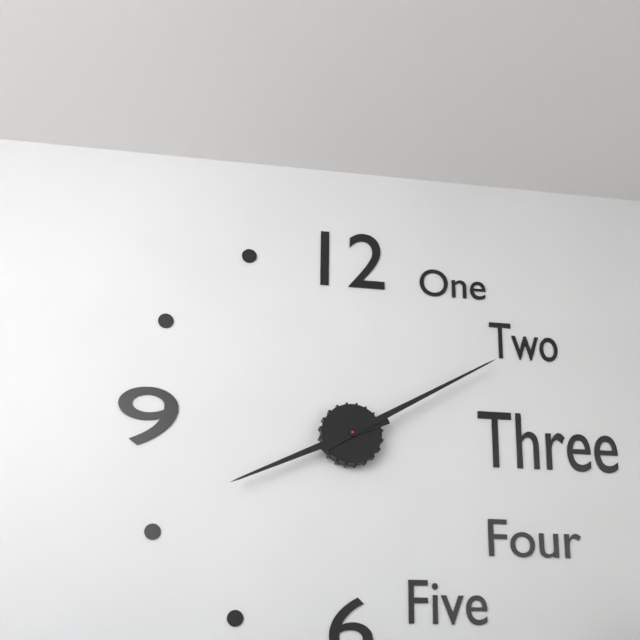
8:10
